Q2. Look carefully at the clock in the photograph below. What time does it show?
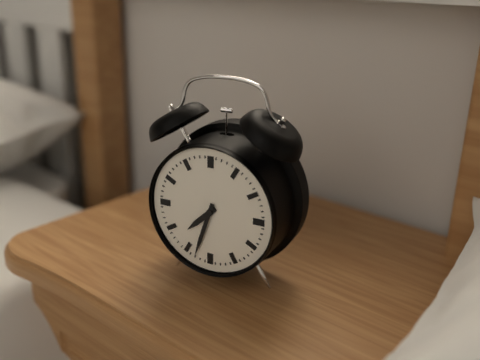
7:33
